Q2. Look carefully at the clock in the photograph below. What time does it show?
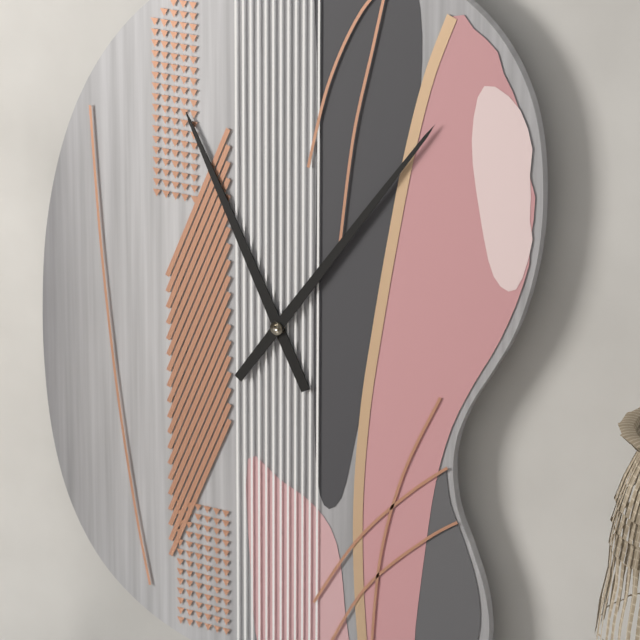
11:06
